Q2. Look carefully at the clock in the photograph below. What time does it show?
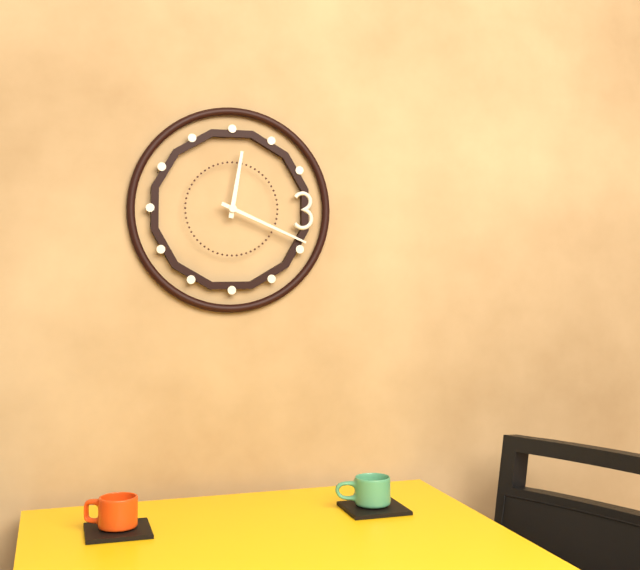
12:19
